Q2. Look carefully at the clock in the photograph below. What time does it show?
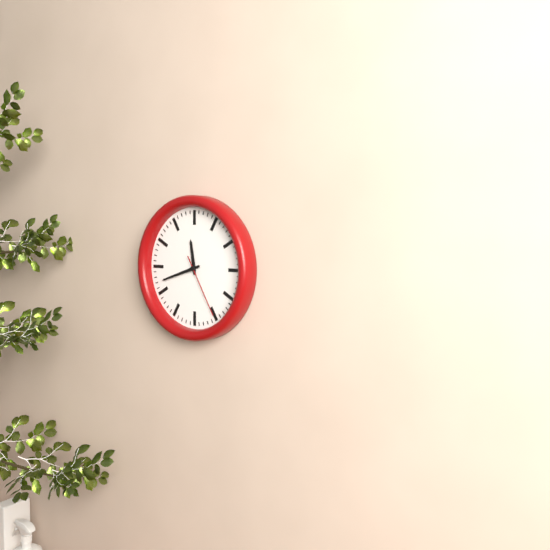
11:42:25
